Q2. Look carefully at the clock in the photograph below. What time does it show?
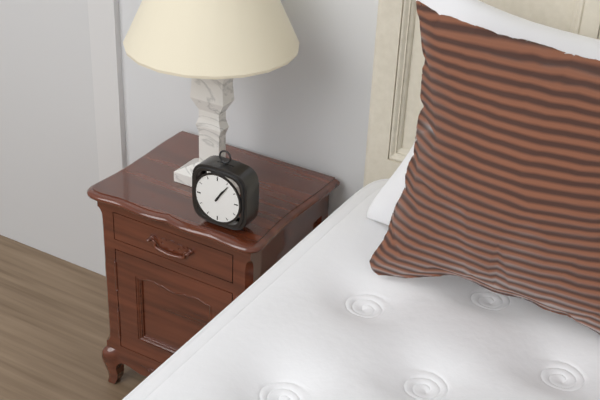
1:06
